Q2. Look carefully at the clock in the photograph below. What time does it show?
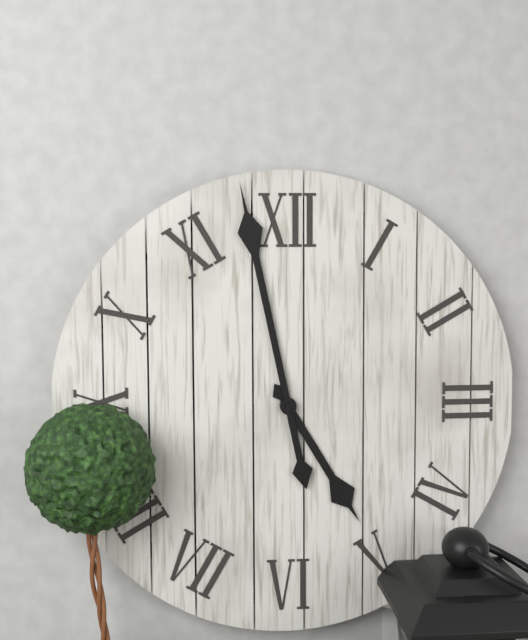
4:58
